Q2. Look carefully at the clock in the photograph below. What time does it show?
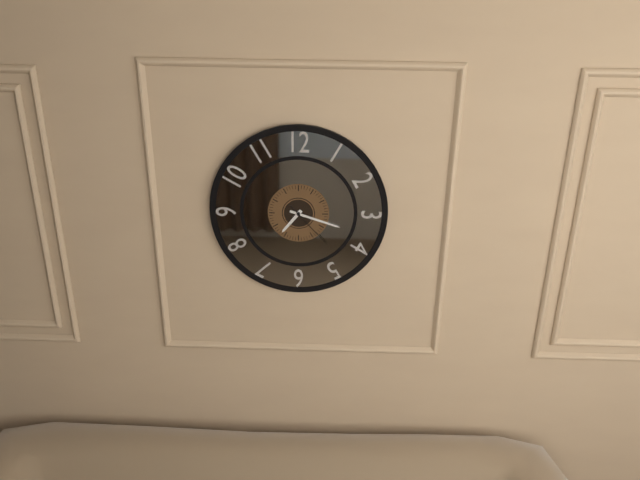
7:18:23
